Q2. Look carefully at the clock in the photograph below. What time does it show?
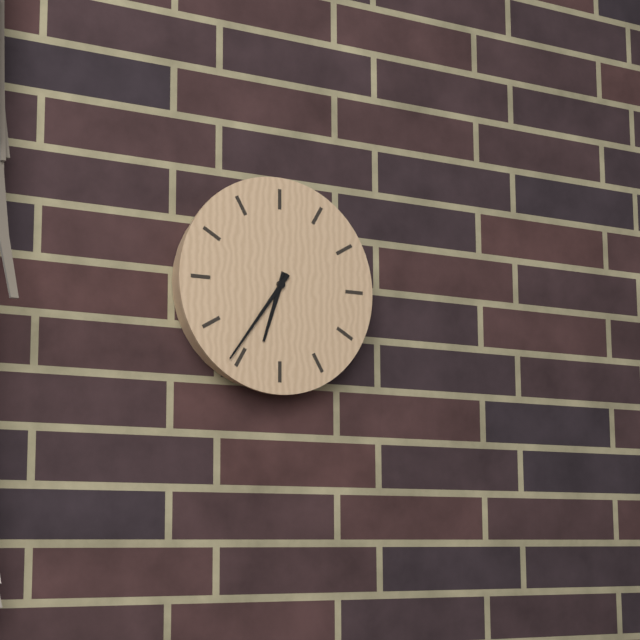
6:36
